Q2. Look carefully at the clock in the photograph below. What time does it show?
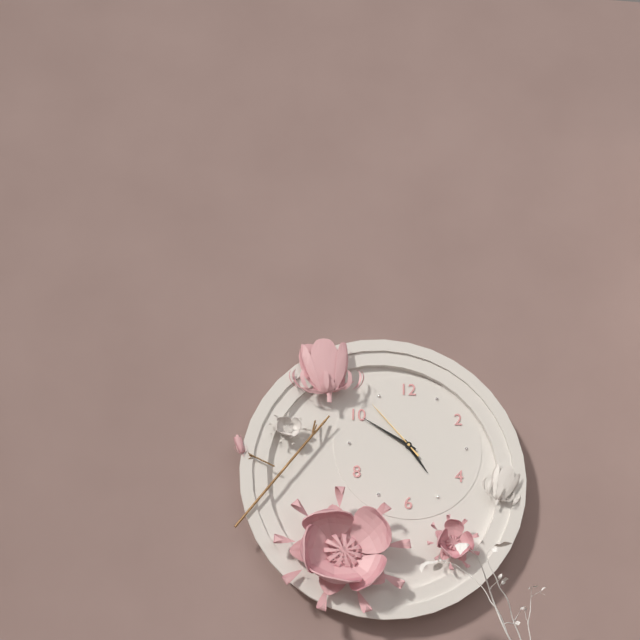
4:50:53
